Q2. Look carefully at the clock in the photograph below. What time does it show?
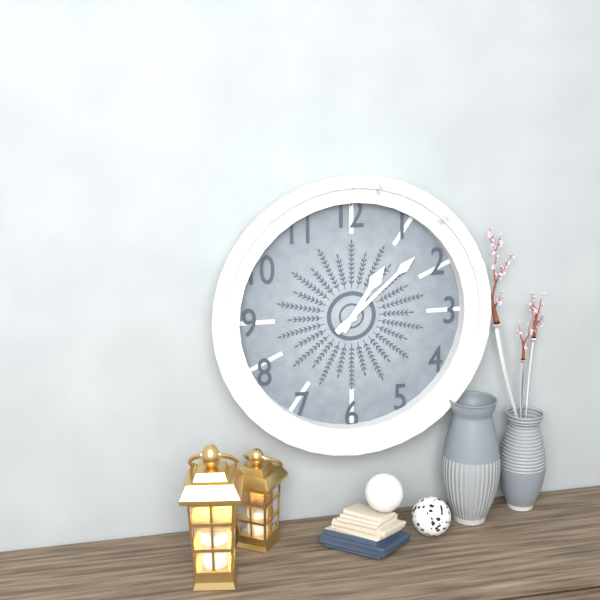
1:08
